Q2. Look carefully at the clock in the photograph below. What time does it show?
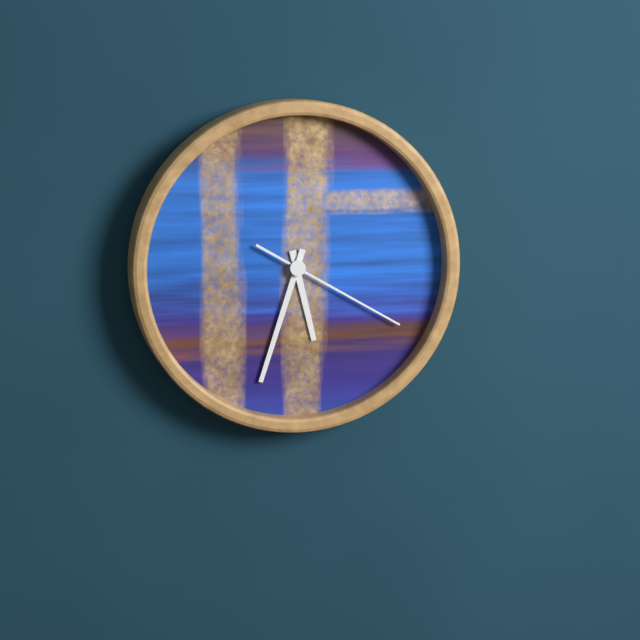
5:33:20
